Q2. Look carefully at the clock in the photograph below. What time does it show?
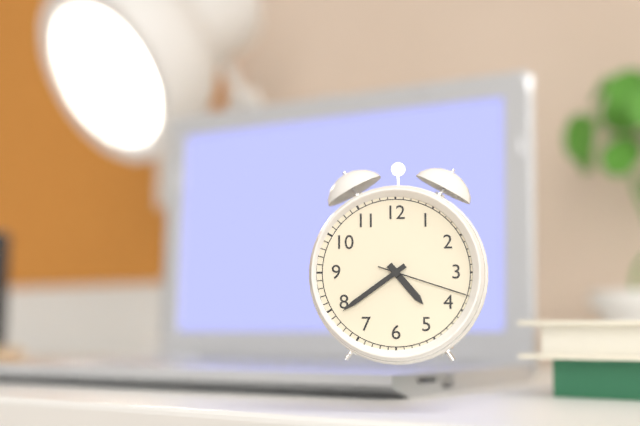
4:39:18
